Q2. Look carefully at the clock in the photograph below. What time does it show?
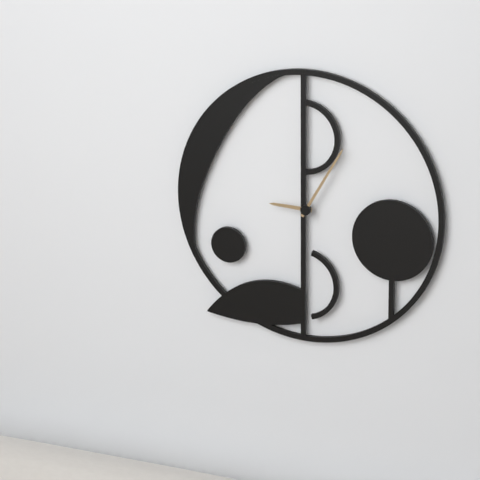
9:05
